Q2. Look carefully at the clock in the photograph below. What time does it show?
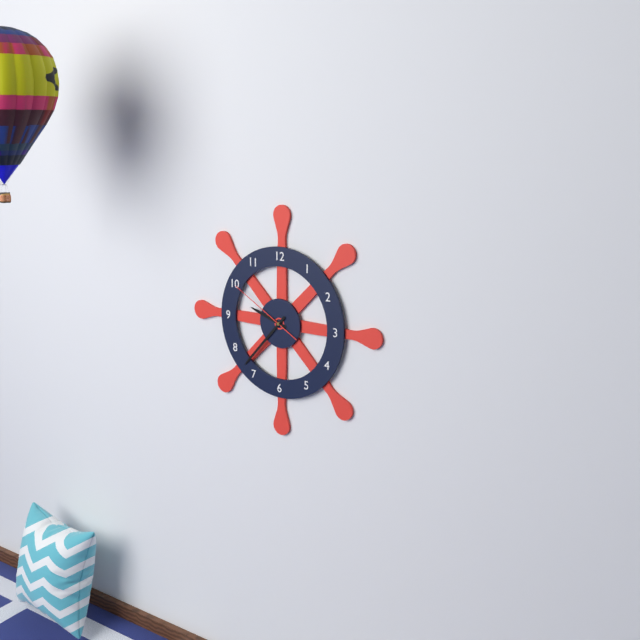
9:37:50
